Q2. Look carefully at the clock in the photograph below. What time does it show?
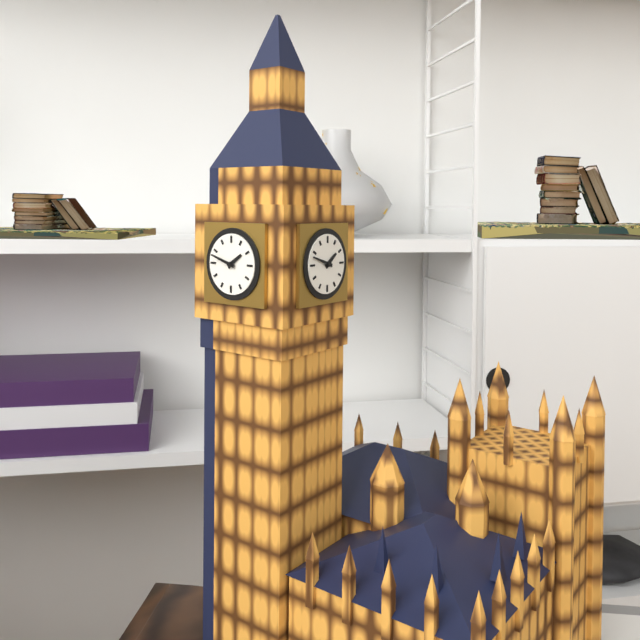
1:48
